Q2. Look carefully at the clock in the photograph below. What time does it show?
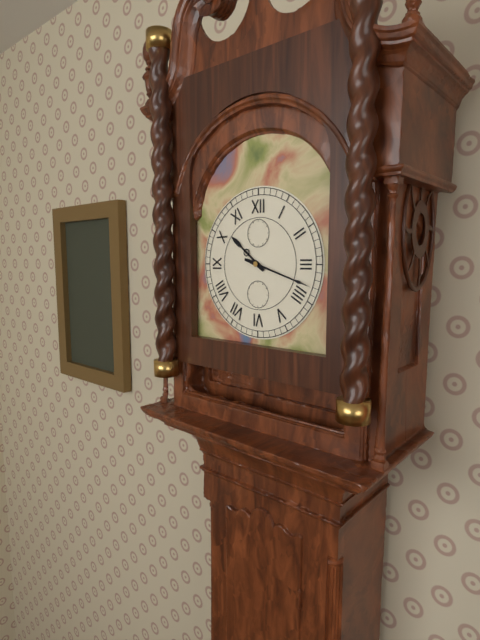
10:18
